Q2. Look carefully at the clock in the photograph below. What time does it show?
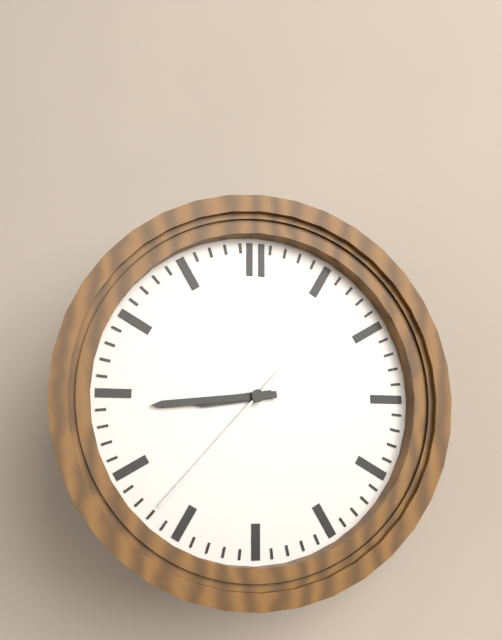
8:44:37
